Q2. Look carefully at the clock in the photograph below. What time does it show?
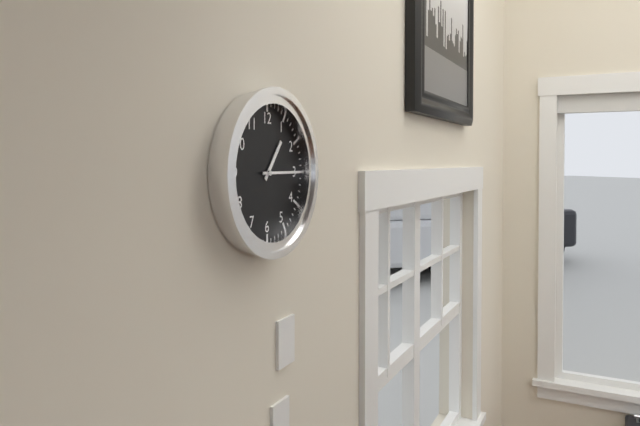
1:15
